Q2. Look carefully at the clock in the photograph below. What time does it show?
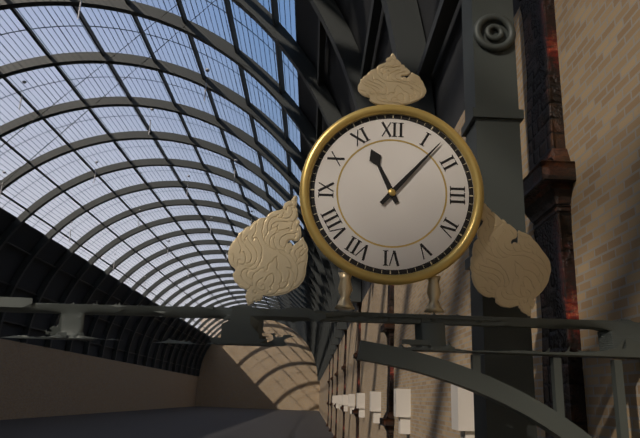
11:07
